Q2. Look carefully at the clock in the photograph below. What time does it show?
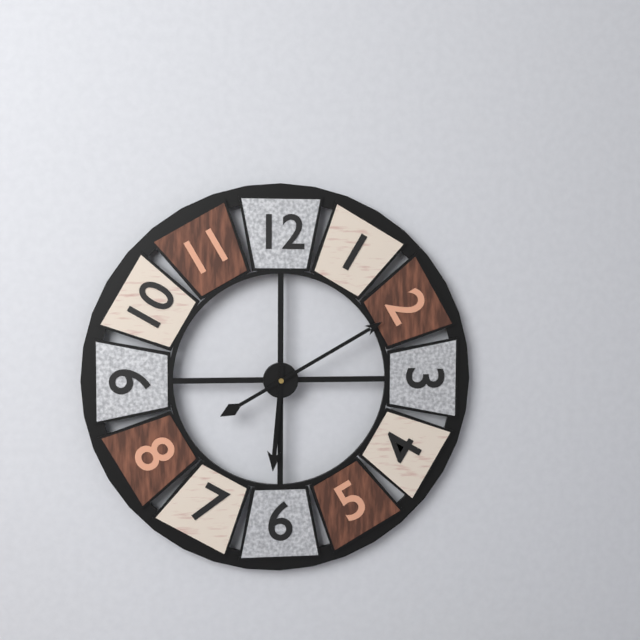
6:10
